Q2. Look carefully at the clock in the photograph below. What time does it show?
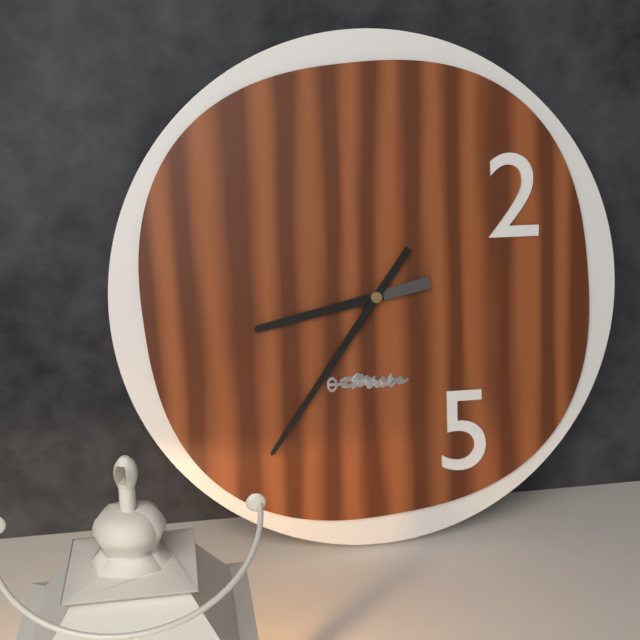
8:36
